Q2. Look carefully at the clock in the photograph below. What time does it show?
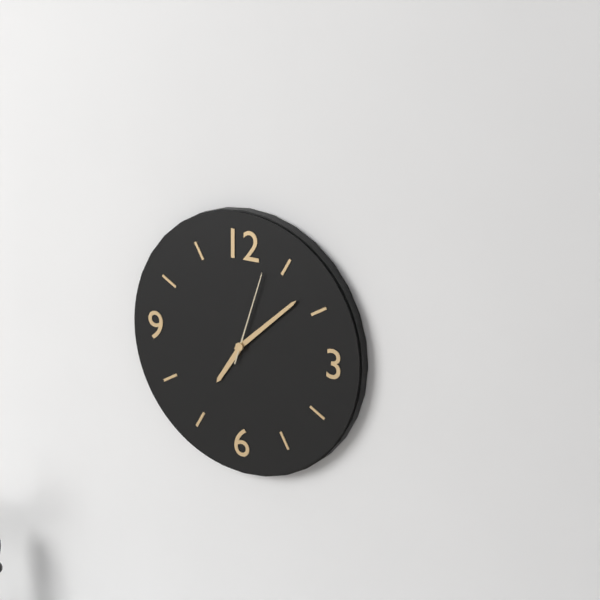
7:08:03
